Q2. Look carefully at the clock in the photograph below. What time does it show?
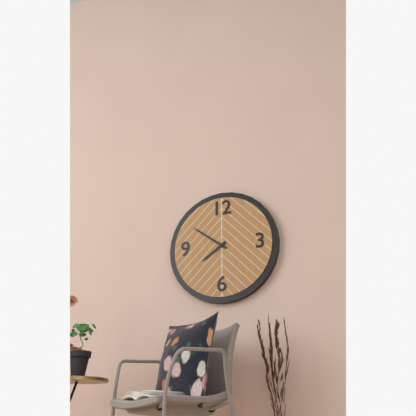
7:51
